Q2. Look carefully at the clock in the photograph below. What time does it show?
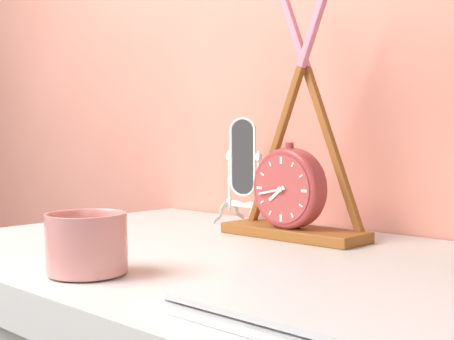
7:43
